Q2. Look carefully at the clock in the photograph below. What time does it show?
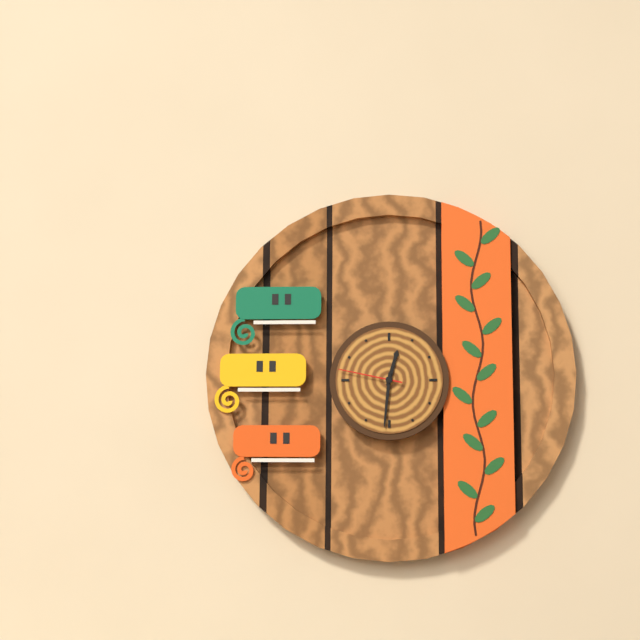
12:31:47
